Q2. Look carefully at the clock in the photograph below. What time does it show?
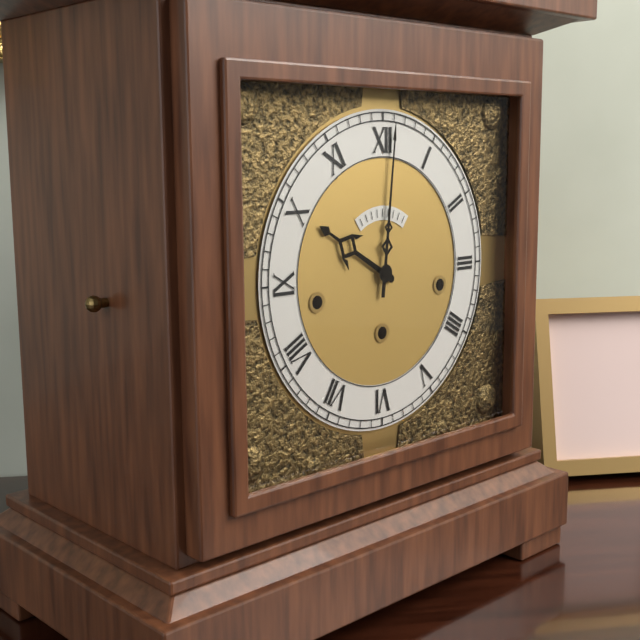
10:01
